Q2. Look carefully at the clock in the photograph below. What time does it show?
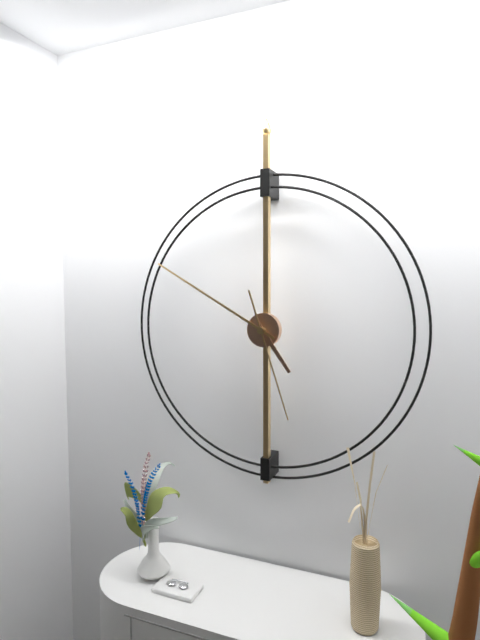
4:50:27
